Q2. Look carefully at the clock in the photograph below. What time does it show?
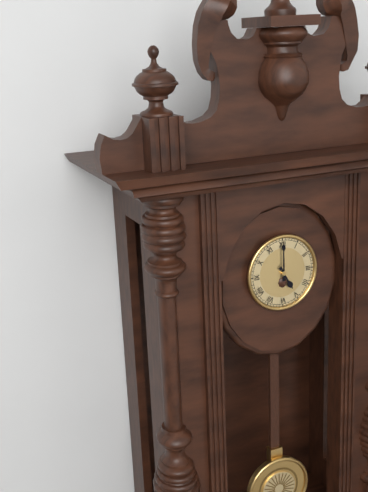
5:00
